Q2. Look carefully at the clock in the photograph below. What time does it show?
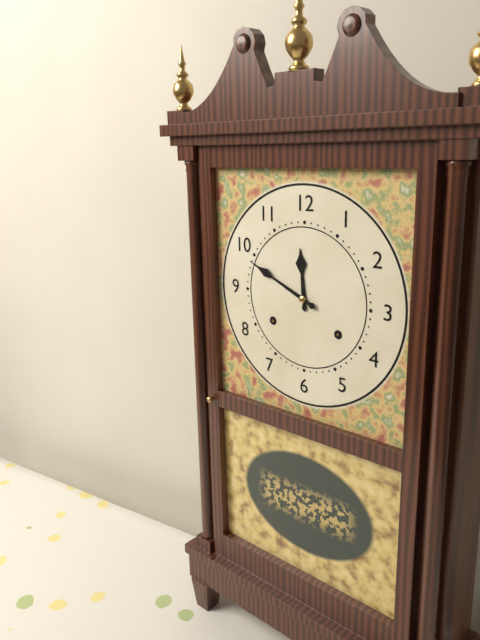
11:49
